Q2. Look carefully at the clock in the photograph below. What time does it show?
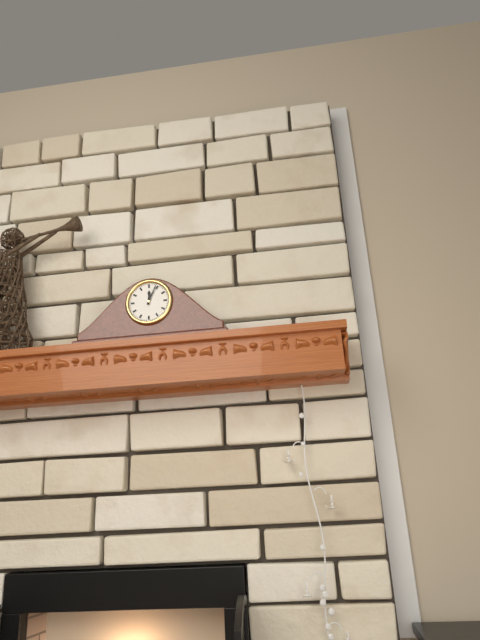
12:04
